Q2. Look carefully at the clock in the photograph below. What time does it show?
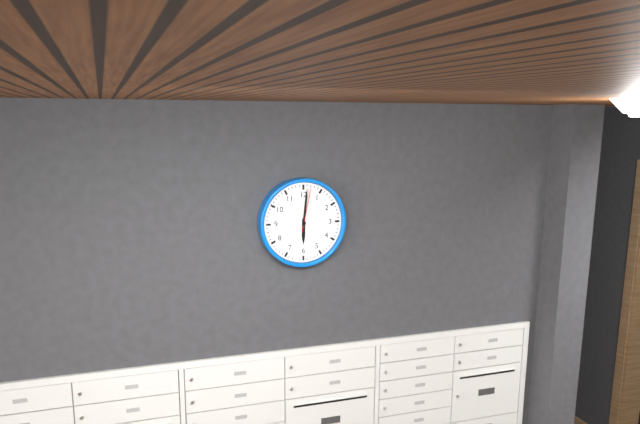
6:01
